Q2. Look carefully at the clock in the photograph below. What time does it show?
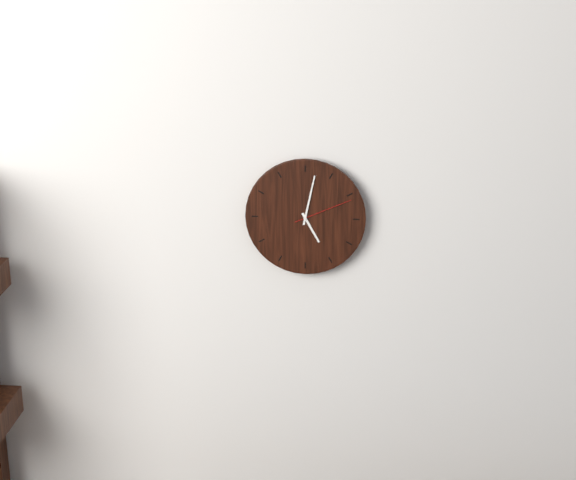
5:02:11
